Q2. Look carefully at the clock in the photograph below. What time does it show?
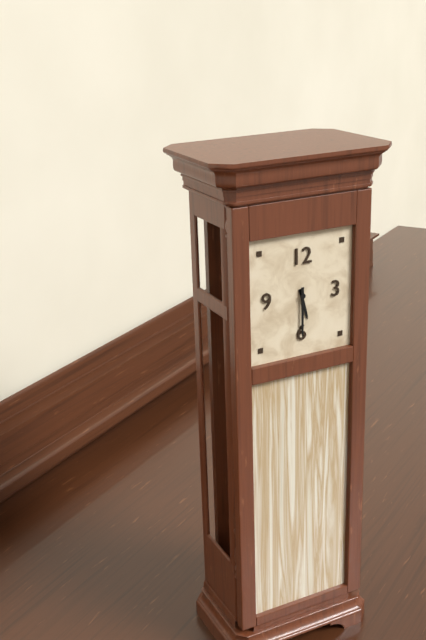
5:30
